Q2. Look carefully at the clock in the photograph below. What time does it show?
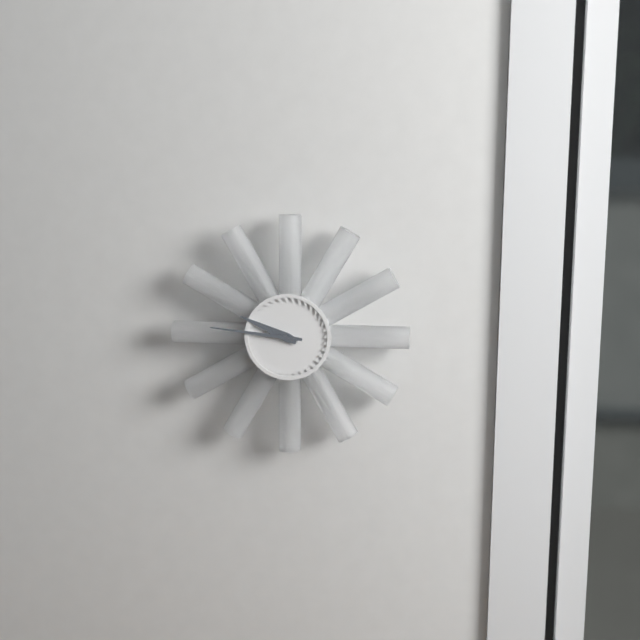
9:46
